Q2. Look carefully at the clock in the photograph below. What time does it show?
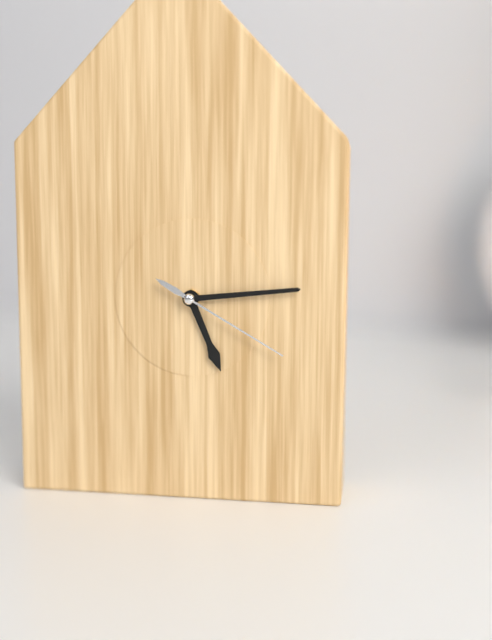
5:14:20
